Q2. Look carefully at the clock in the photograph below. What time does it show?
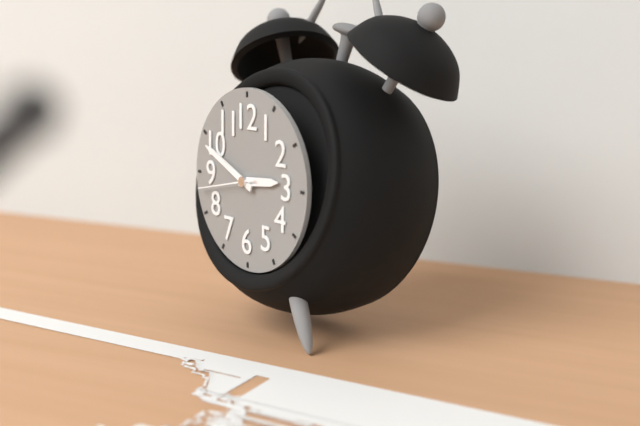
2:49:43
